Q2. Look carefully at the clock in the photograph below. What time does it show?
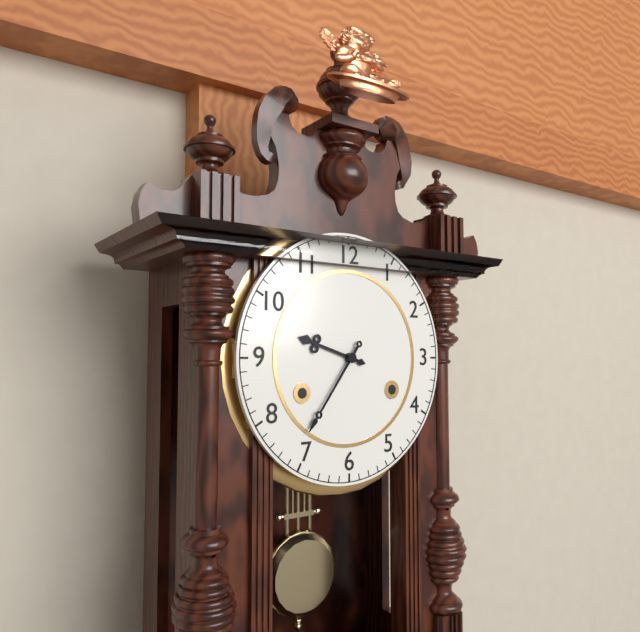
9:36
